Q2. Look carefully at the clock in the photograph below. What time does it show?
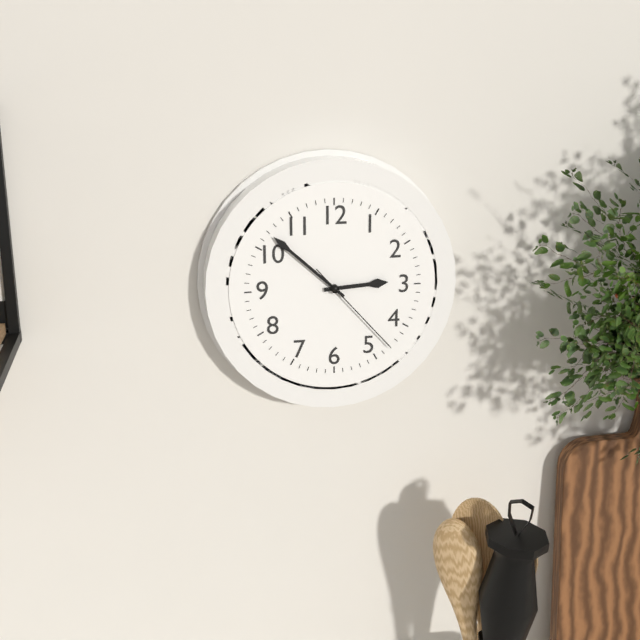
2:52:23
